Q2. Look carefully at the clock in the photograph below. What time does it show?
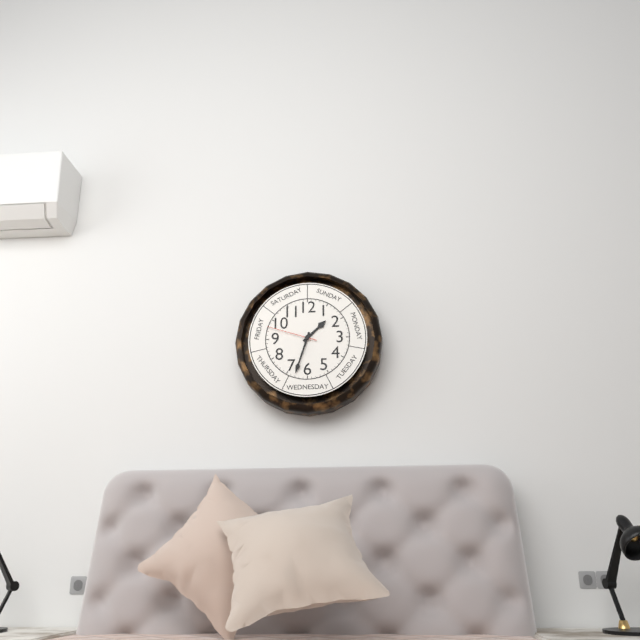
1:33:48
